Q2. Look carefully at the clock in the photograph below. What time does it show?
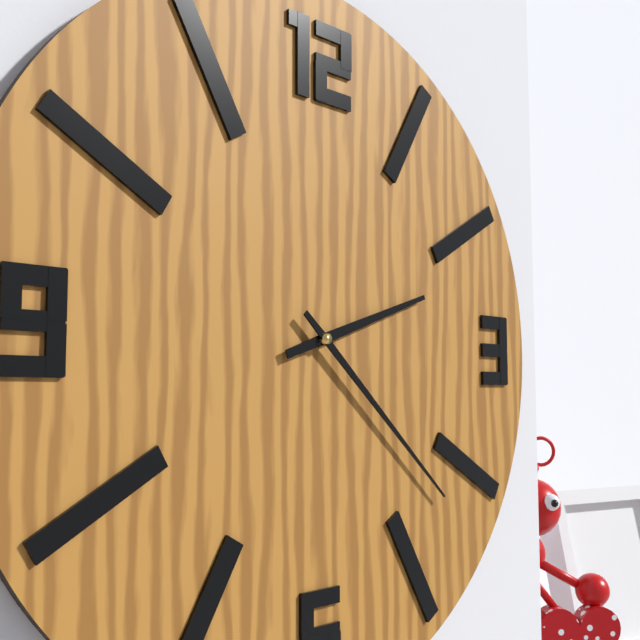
2:22
